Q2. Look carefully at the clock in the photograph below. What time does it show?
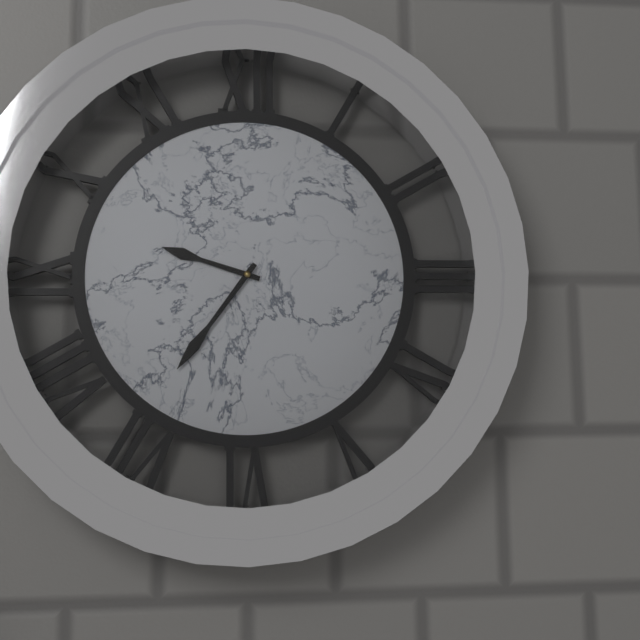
9:36
